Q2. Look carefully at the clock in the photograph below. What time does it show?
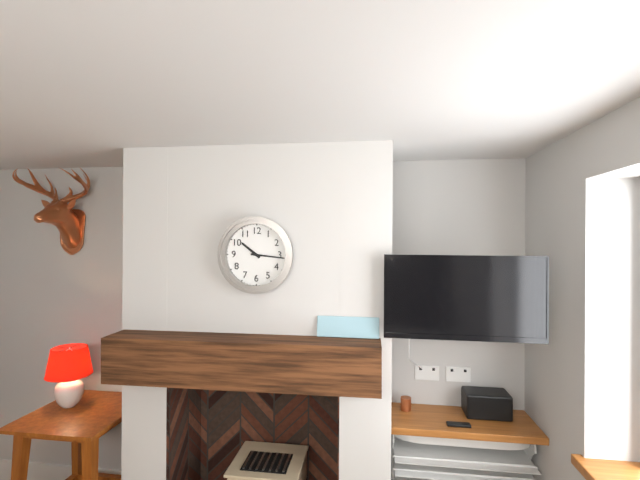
10:16
